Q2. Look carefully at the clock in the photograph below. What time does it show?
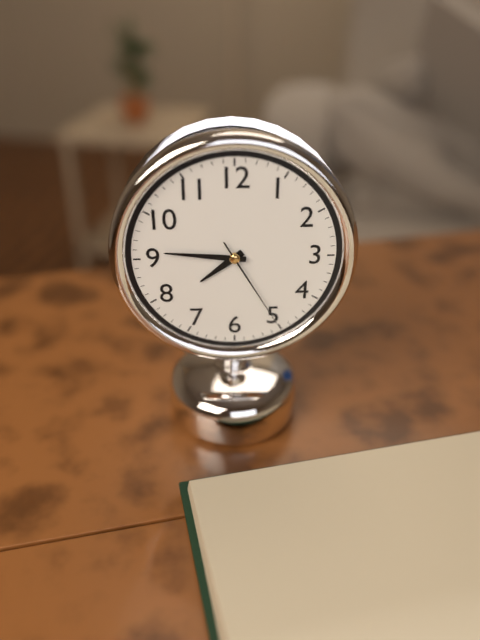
7:46:25
